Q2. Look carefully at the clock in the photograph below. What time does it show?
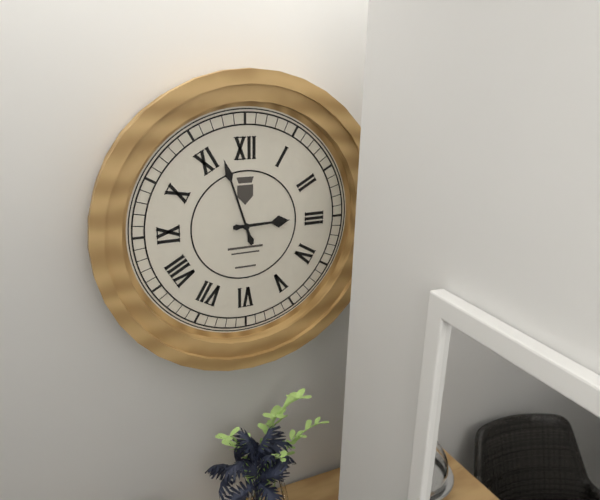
2:57
